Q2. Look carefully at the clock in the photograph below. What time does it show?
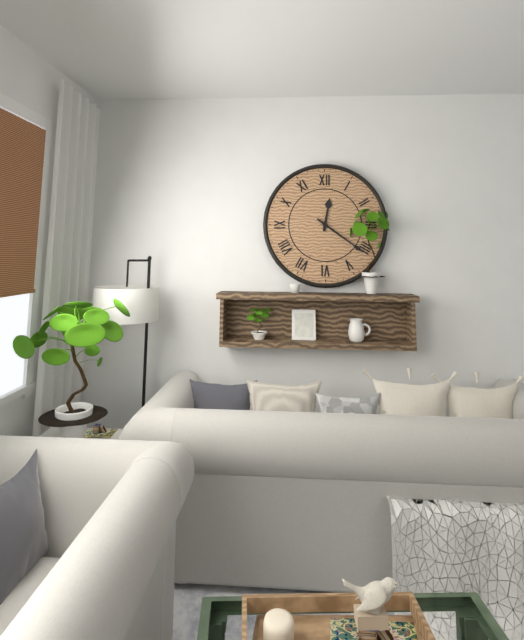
12:21
